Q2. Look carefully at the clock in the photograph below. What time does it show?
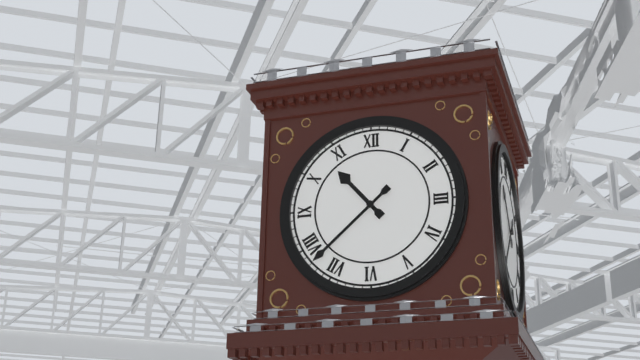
10:38
